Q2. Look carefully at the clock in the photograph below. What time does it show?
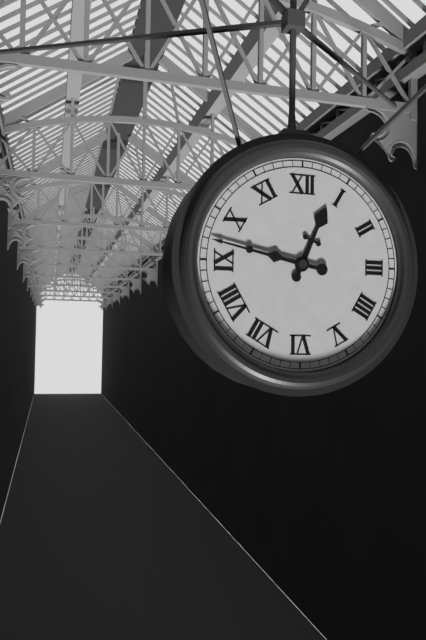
12:47
